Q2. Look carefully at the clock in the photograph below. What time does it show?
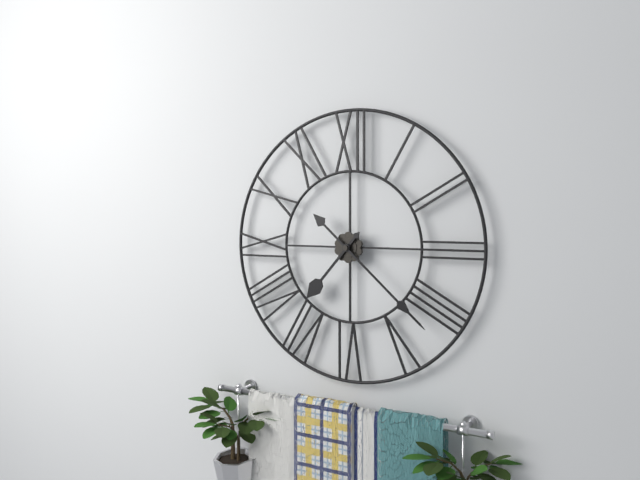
7:22
